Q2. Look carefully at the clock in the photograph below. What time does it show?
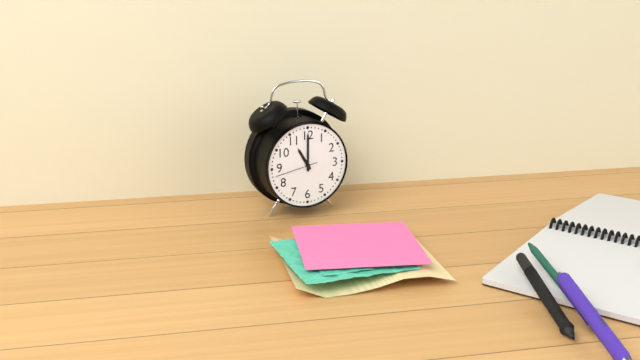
11:00
